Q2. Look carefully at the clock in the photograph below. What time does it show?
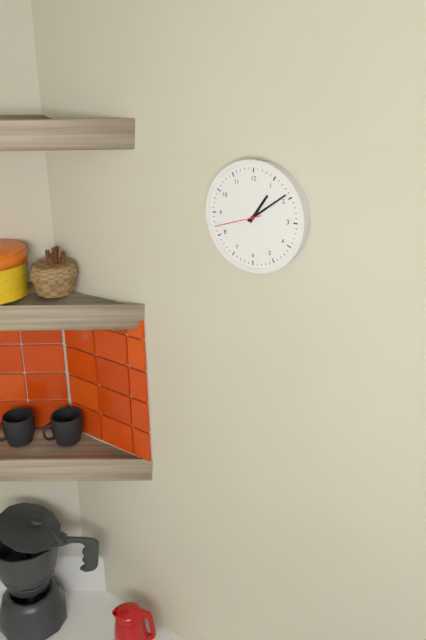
1:09
